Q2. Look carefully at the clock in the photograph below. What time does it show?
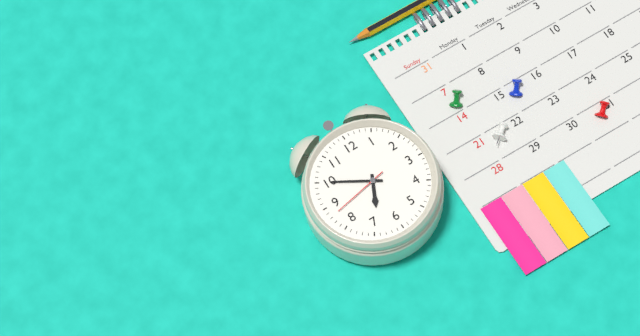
6:50:43
